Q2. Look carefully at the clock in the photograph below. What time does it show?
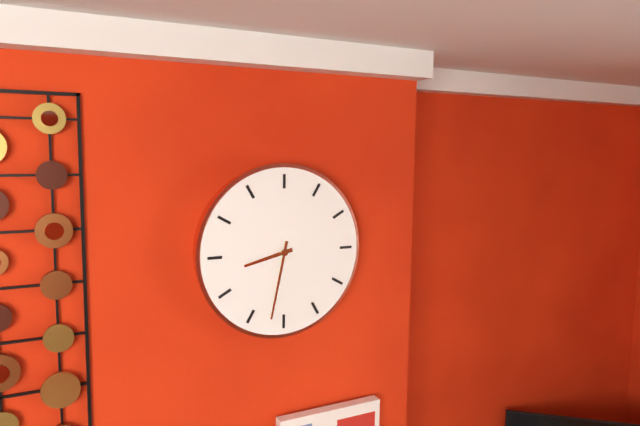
8:32
